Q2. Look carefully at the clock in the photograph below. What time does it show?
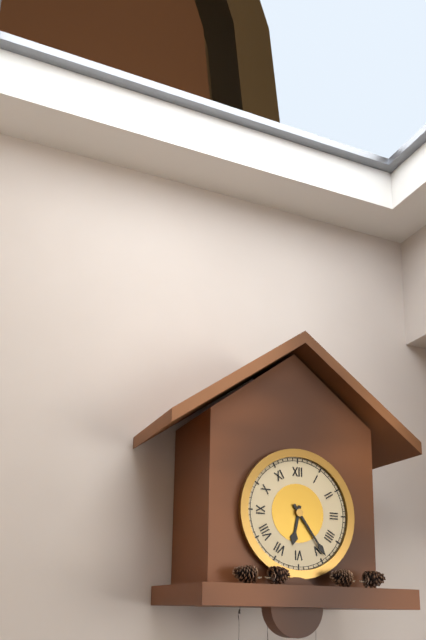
6:24
